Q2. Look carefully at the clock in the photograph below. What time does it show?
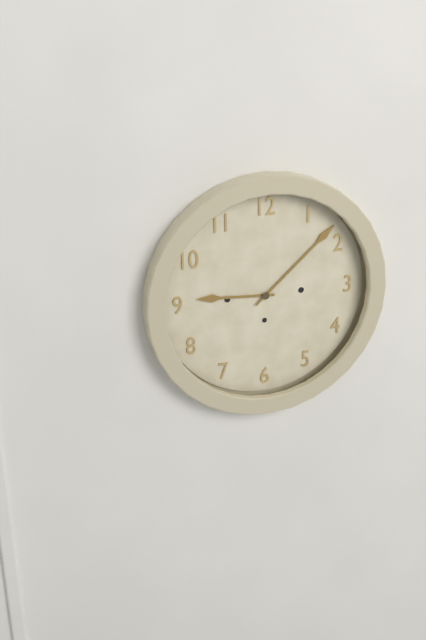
9:08
